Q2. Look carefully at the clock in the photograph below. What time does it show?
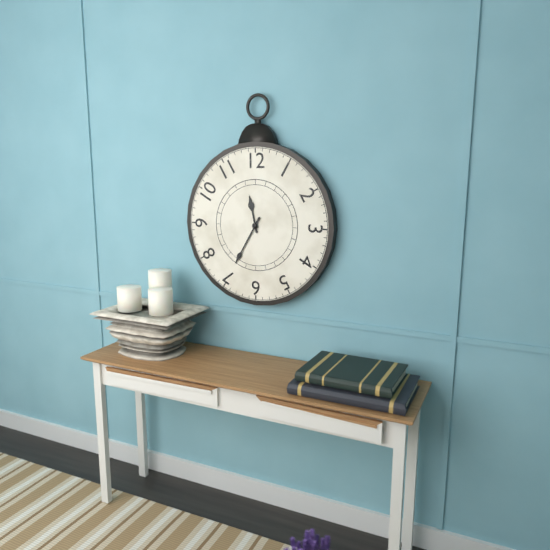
11:35
